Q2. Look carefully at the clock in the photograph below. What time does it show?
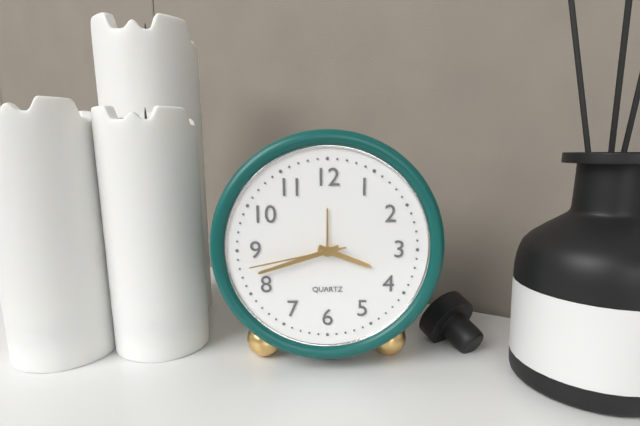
3:42:43
